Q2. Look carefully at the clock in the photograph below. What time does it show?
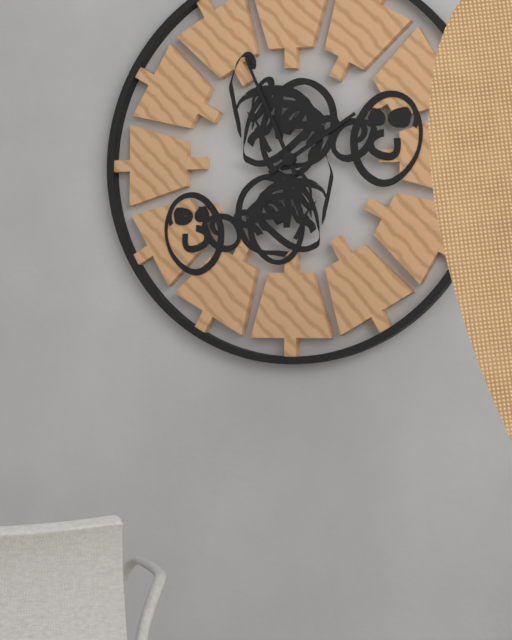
1:56
